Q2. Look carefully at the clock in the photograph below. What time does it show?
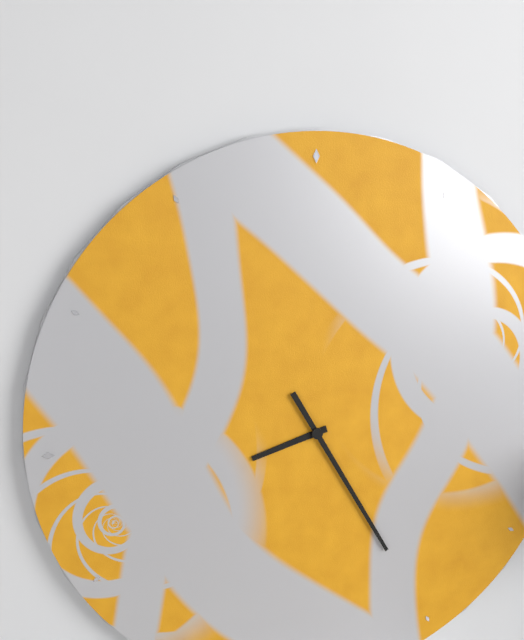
8:25
